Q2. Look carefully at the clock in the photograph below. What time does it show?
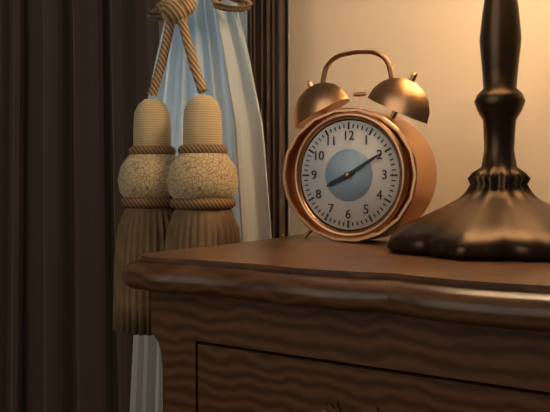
8:10
